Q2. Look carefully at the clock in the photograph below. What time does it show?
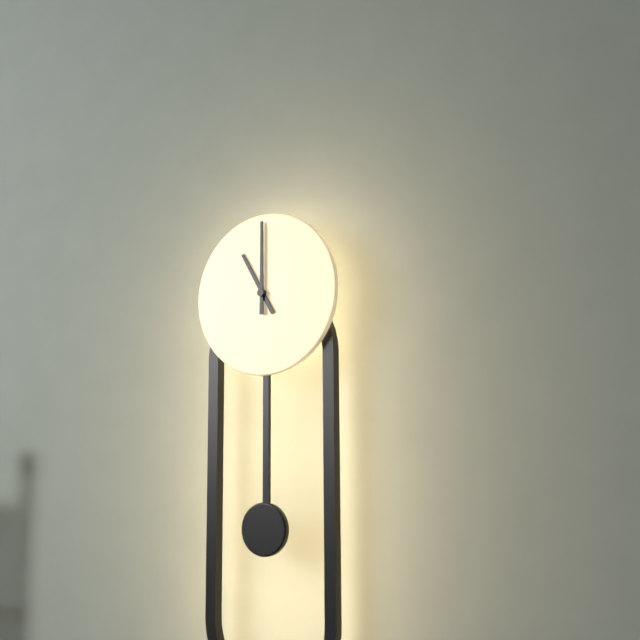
11:00
